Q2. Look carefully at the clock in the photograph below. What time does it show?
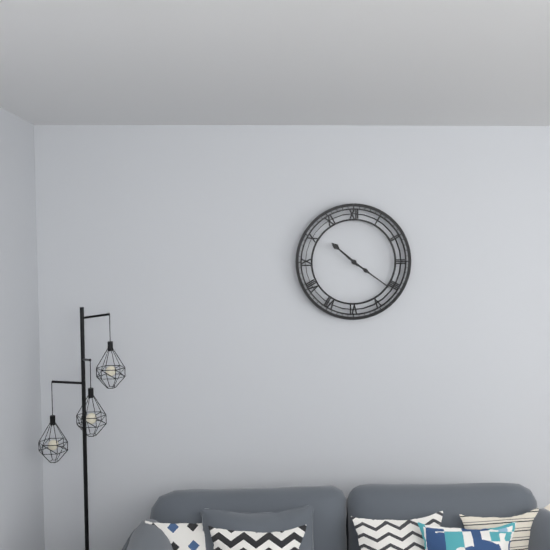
10:21
